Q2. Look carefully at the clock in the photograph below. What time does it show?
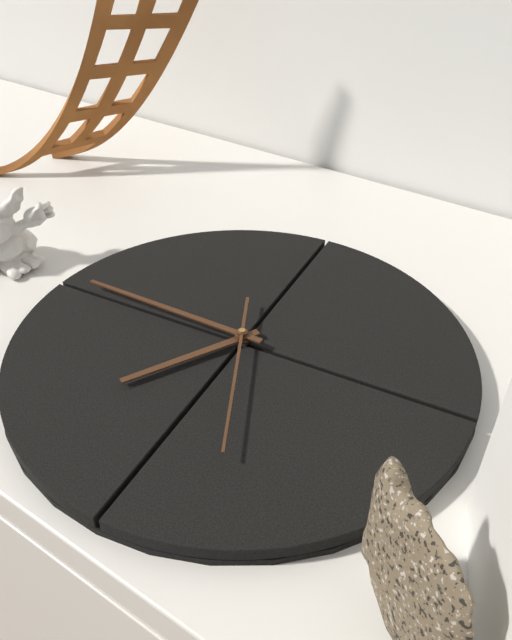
7:49:30
